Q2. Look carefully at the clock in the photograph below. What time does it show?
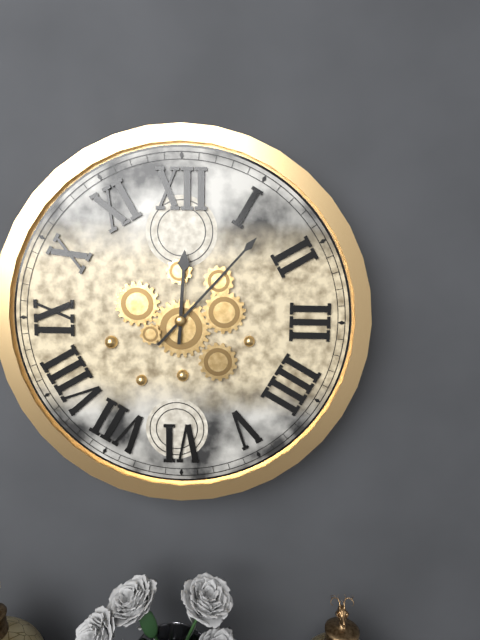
12:07
